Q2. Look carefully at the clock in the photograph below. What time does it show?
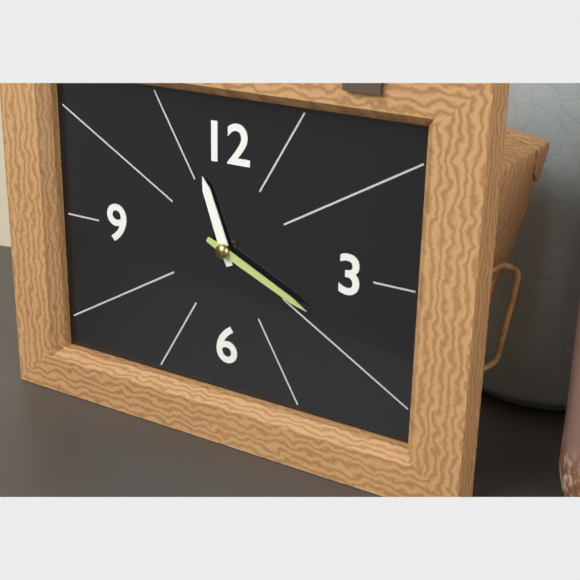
11:19
